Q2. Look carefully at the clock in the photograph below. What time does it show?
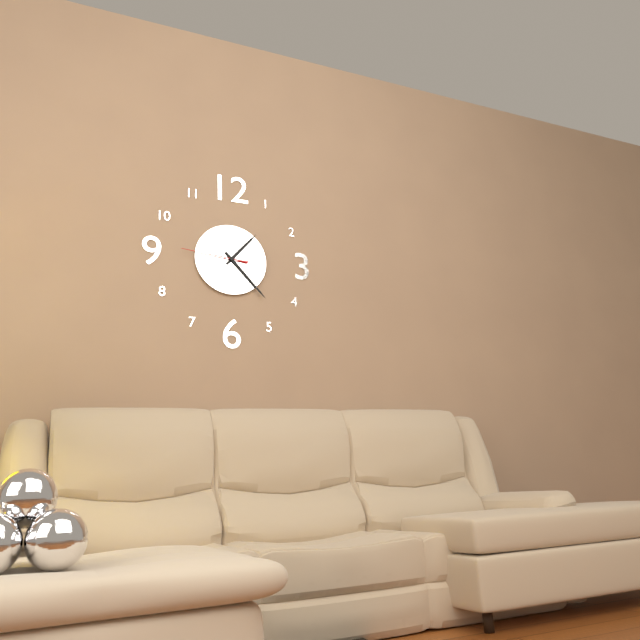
1:23:46
